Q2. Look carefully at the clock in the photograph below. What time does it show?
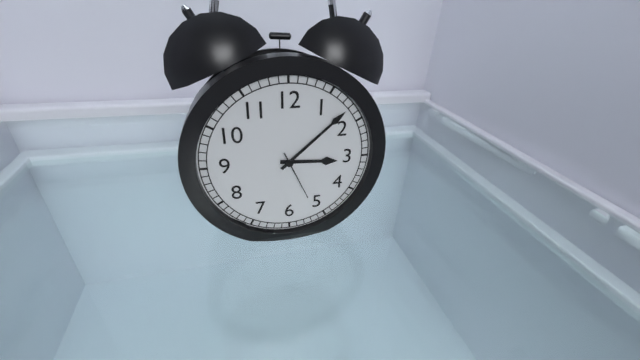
3:08
